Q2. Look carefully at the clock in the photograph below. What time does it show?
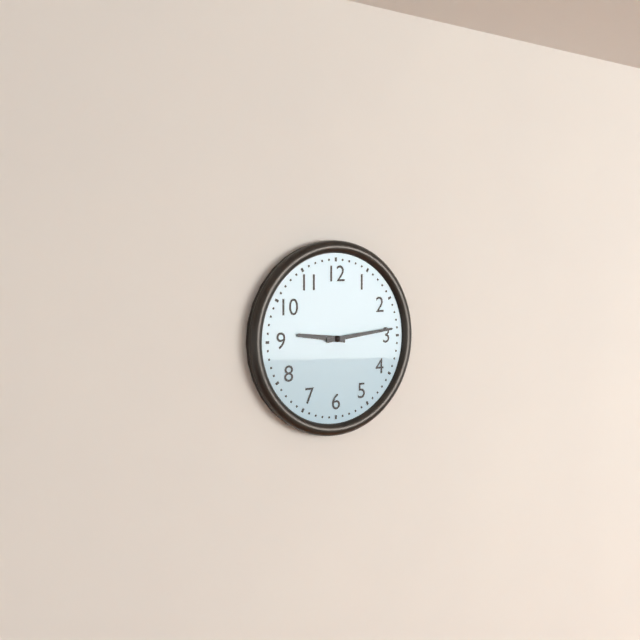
9:14
